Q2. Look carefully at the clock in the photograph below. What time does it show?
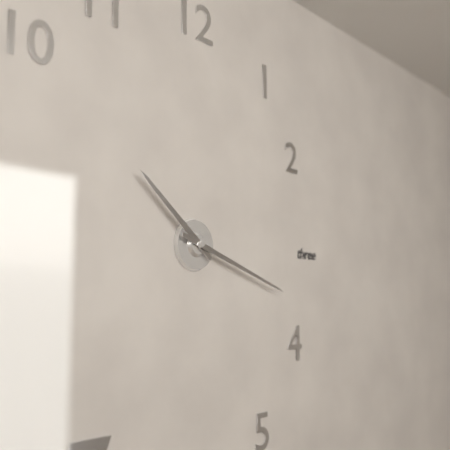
10:18
